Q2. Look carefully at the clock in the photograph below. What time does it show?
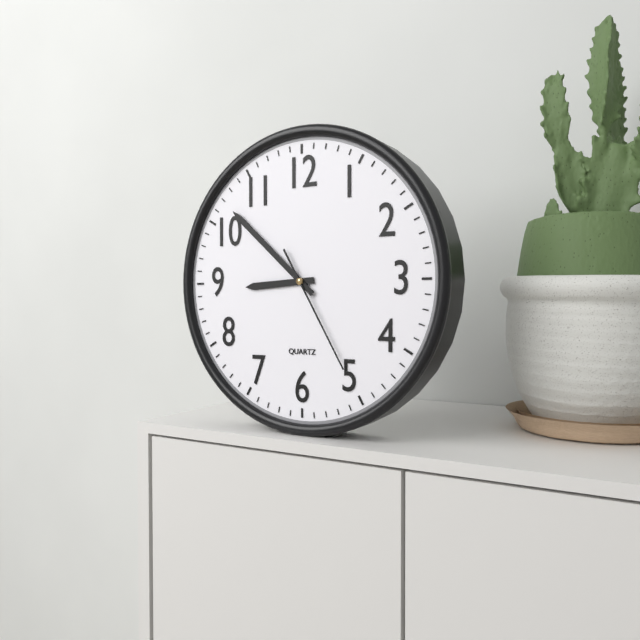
8:52:25
